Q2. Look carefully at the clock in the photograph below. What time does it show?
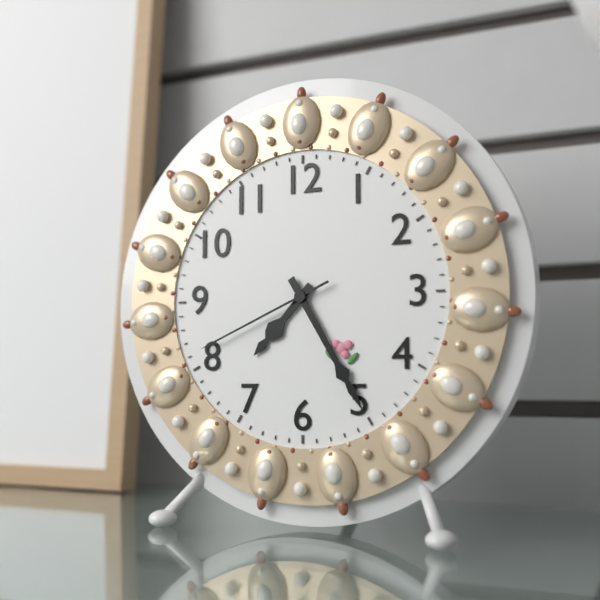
7:25:41
